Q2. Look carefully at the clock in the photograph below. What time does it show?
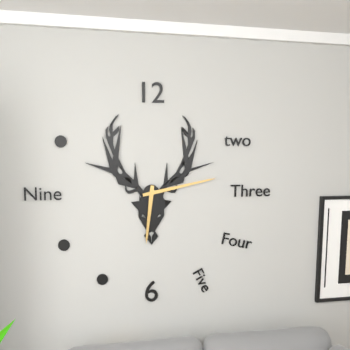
6:13
